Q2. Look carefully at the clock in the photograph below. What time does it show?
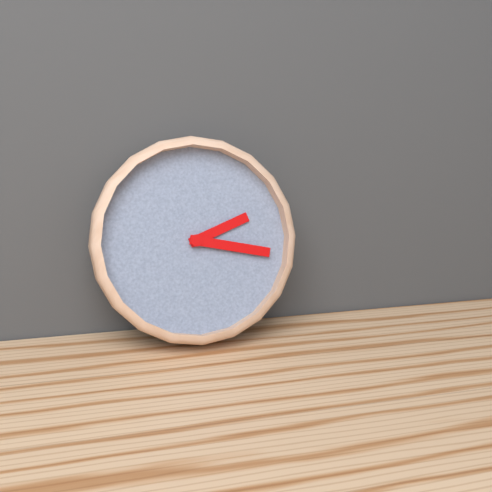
2:17
